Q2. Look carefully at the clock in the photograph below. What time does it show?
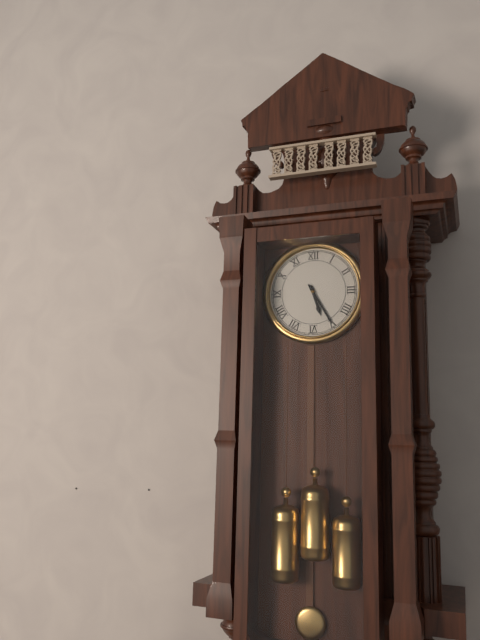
5:25
